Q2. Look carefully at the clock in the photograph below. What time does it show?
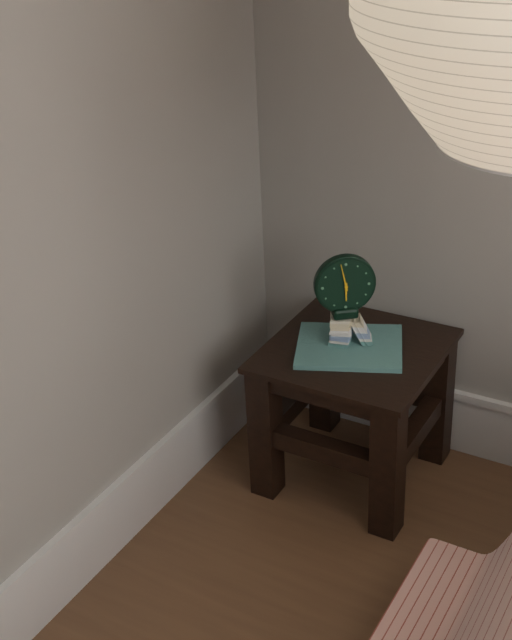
5:58
